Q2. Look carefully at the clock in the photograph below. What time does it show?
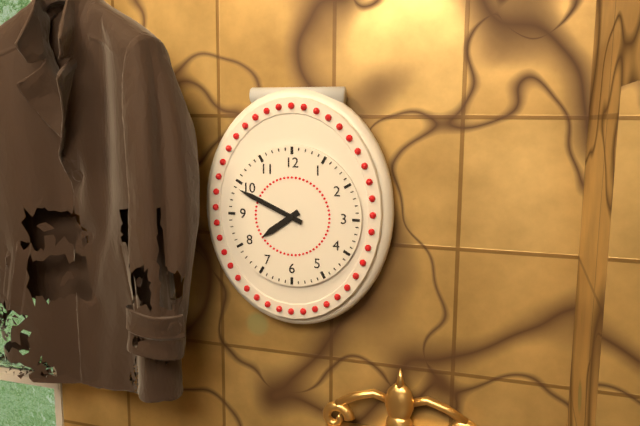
7:49
